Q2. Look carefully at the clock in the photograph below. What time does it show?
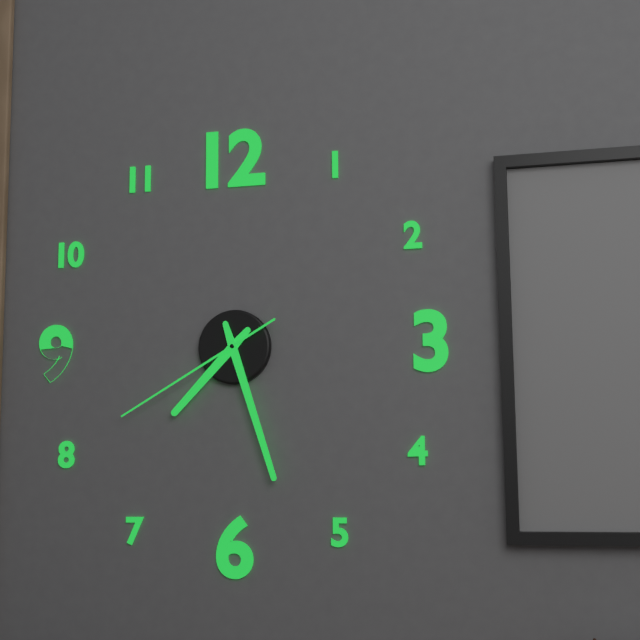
7:27:40
